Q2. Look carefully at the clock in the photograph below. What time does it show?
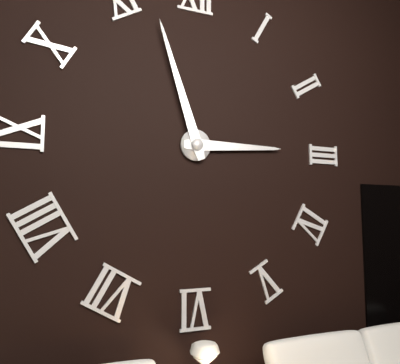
2:57
